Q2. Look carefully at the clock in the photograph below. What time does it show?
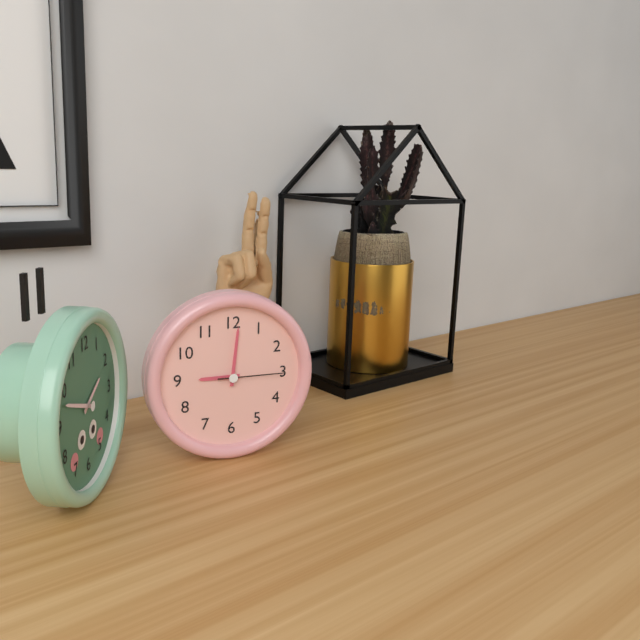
9:01:15
